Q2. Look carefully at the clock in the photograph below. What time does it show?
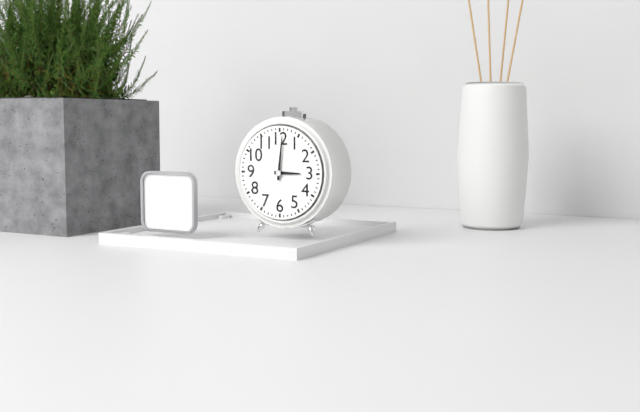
3:01
